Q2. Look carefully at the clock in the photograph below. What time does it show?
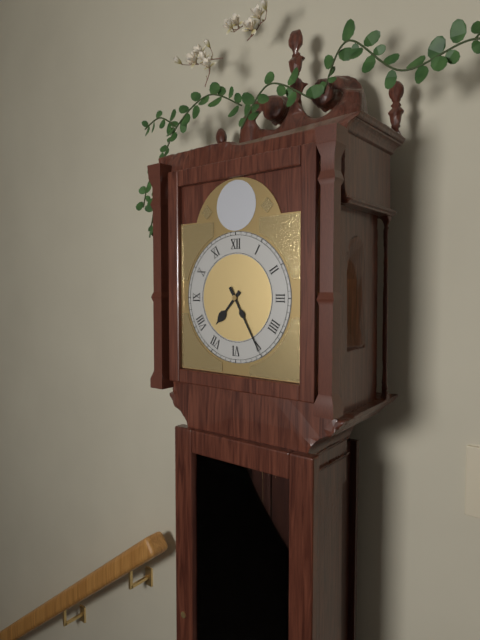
7:25
